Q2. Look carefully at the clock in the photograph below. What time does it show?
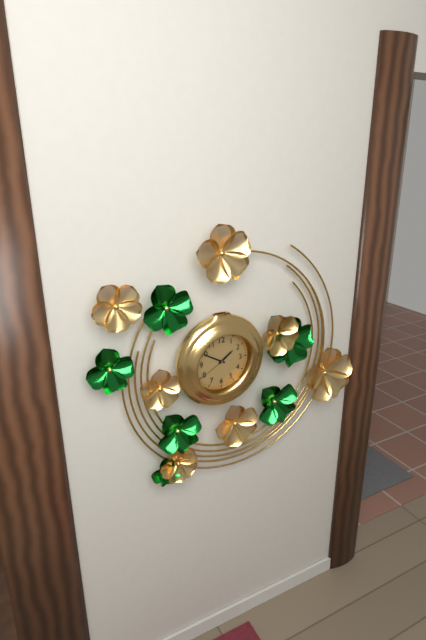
1:50
